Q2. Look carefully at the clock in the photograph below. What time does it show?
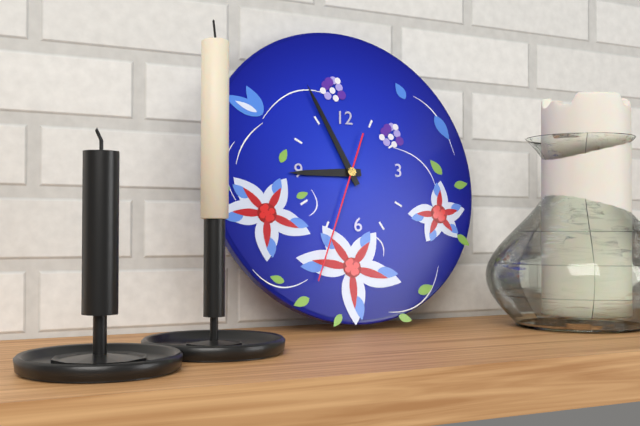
8:56:34
